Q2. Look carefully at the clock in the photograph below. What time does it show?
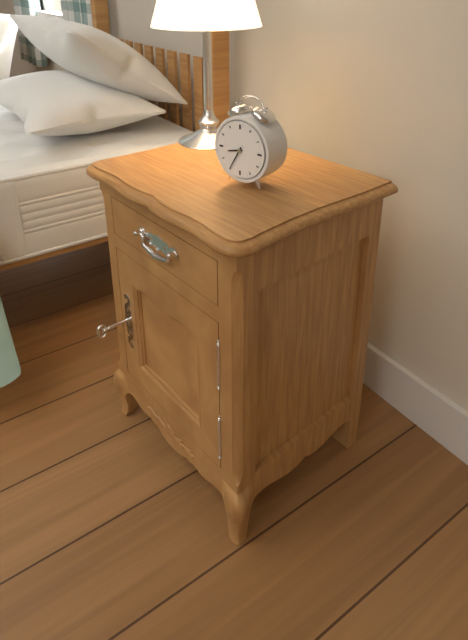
8:35
